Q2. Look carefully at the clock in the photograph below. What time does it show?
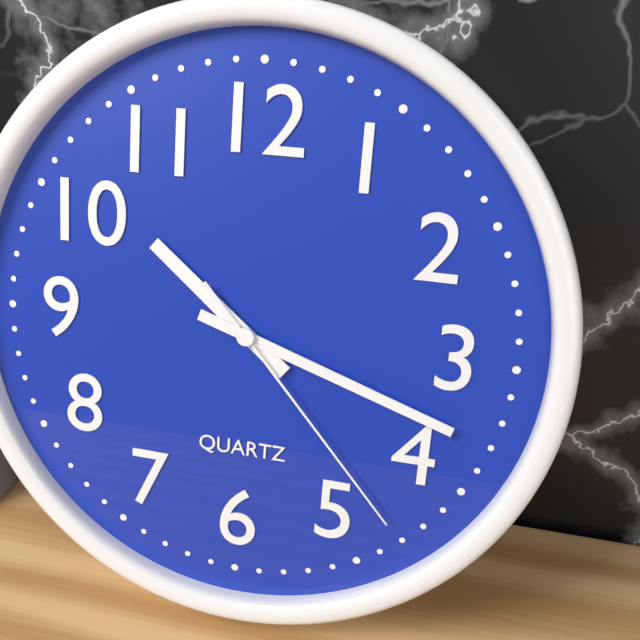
10:18:23
